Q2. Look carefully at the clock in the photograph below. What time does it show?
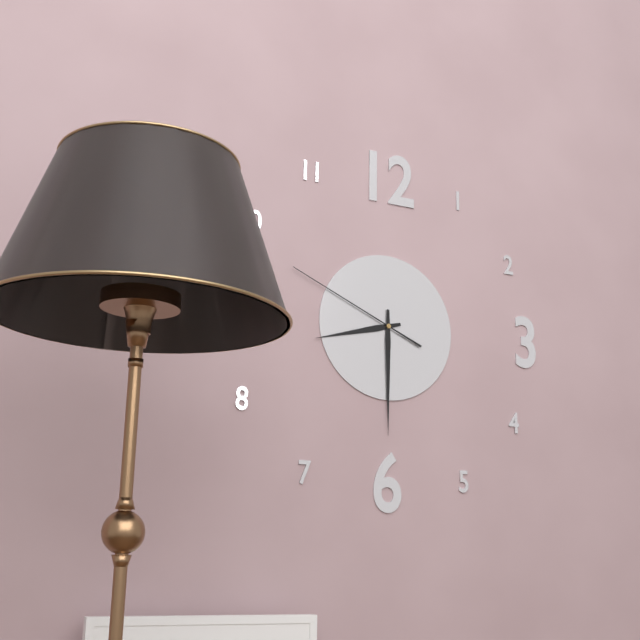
8:30:49
